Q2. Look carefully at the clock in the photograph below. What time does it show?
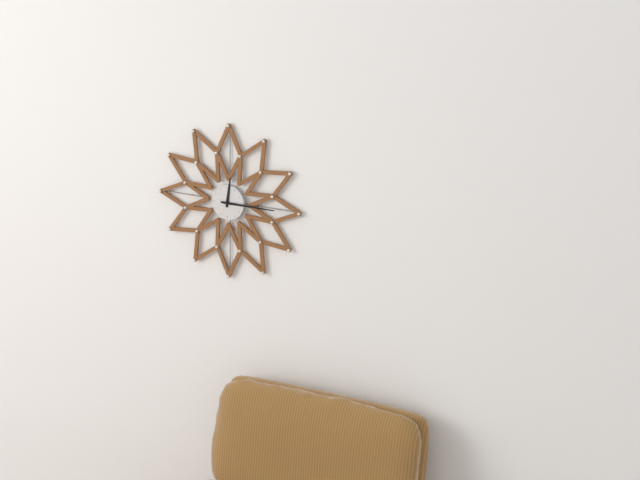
12:15
